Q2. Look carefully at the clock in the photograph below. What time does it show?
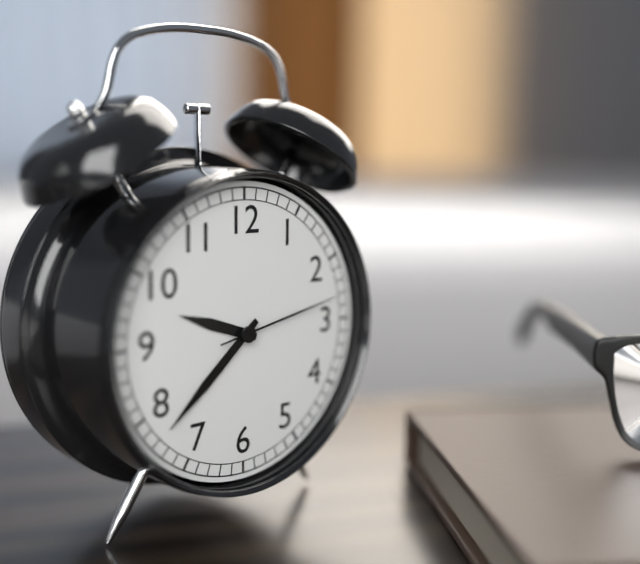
9:38:13
